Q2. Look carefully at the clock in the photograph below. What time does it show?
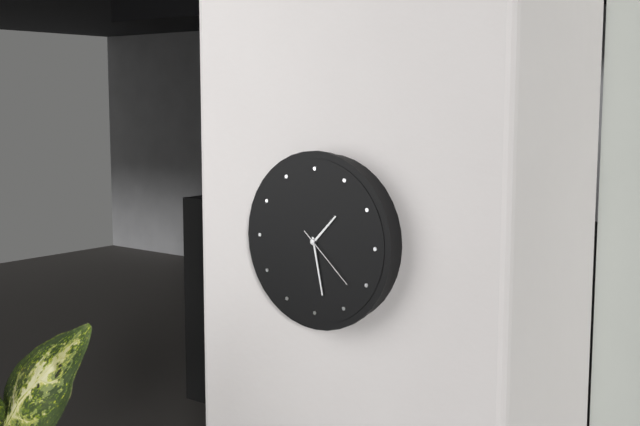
1:28:22
